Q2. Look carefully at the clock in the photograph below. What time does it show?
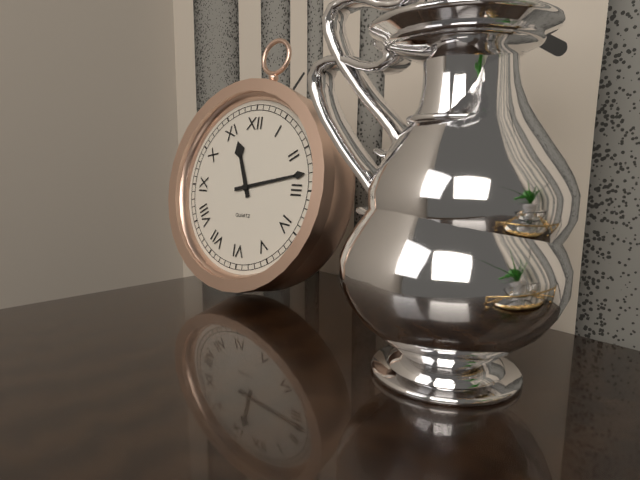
11:13
